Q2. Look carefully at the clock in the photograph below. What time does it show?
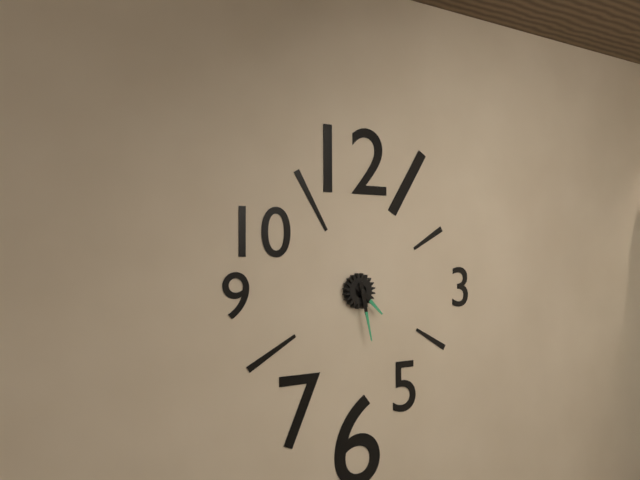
4:28
